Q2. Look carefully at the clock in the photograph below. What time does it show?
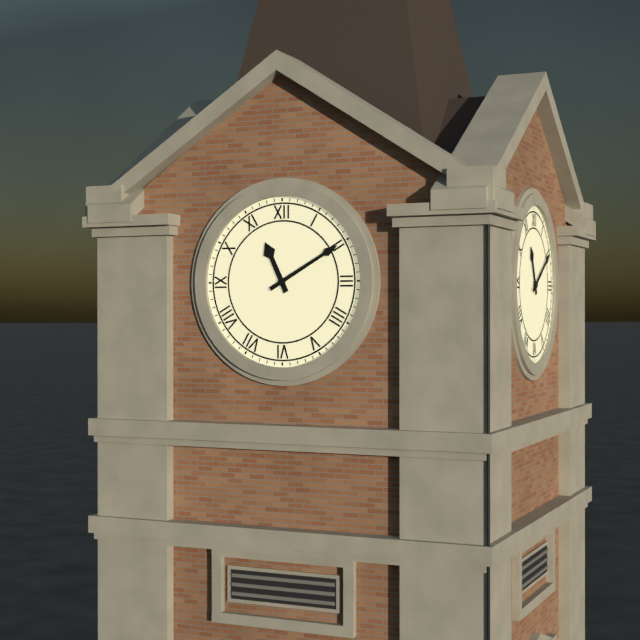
11:10
